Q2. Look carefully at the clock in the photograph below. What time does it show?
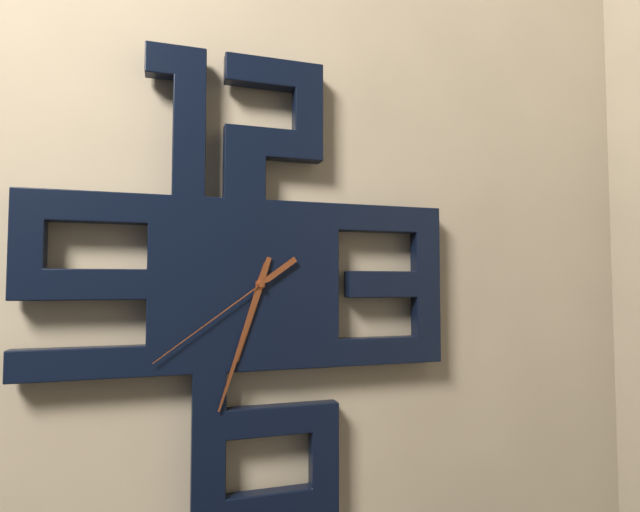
6:33:39
